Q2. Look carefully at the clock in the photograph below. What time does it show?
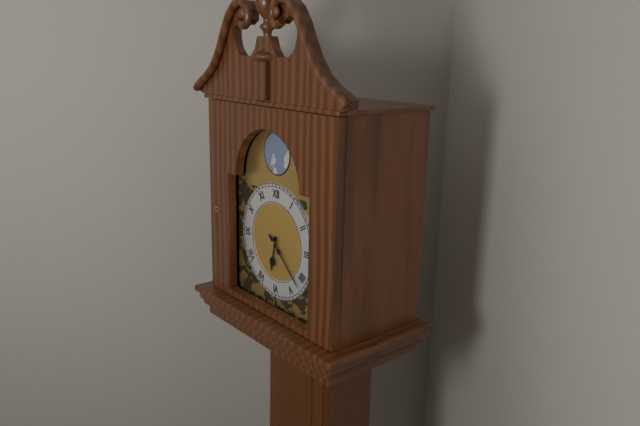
6:22
